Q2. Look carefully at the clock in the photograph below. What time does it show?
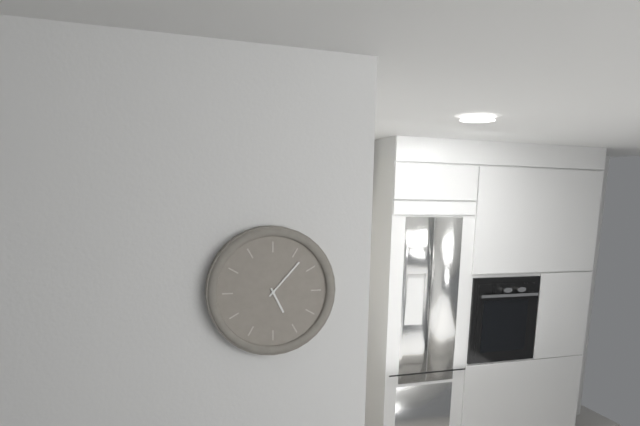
5:07
